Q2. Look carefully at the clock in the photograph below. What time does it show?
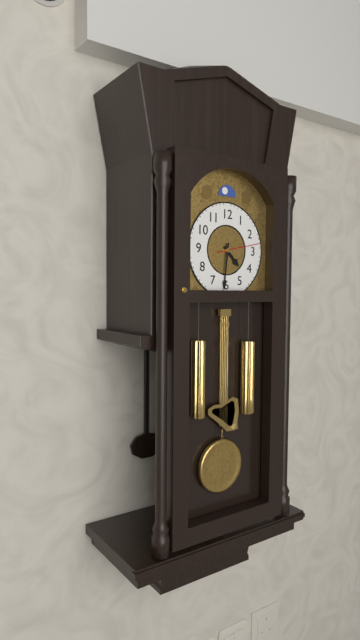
4:31
